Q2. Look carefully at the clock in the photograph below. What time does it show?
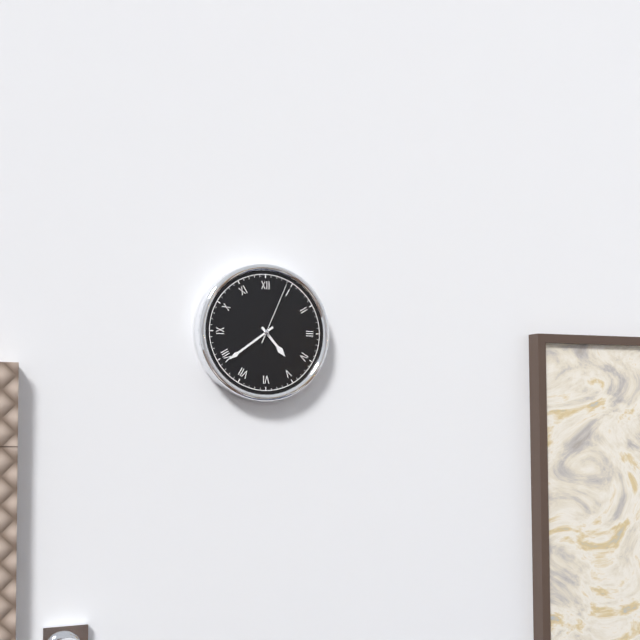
4:39:04
